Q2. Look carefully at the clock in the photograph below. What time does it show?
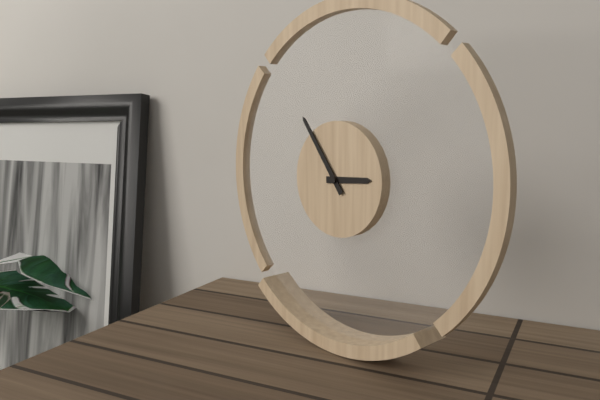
2:54
